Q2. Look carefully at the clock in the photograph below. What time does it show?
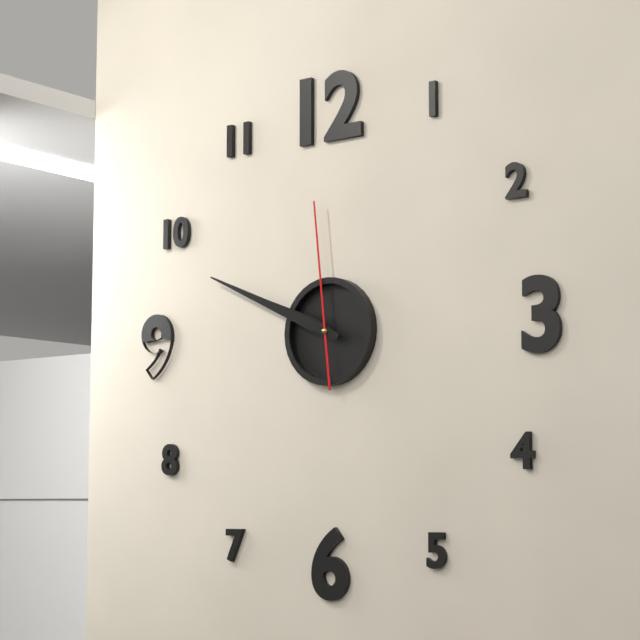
9:49:59
